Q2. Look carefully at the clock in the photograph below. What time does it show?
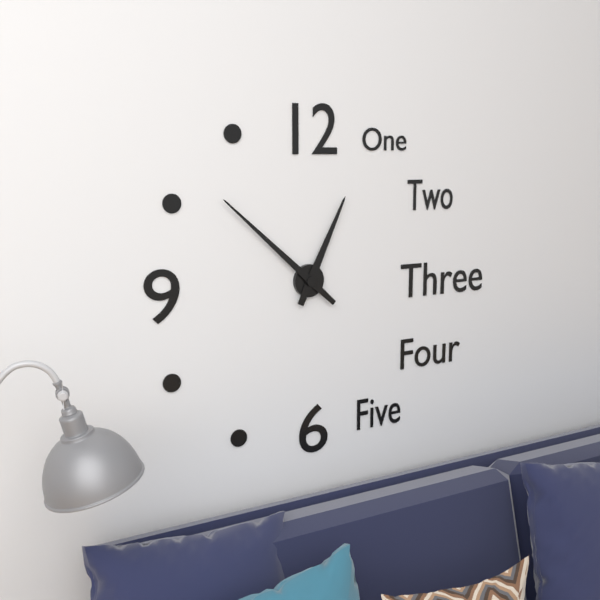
12:52
